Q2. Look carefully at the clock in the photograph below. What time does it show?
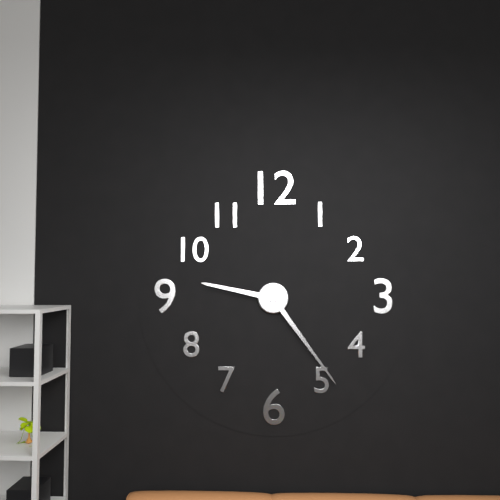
9:24
